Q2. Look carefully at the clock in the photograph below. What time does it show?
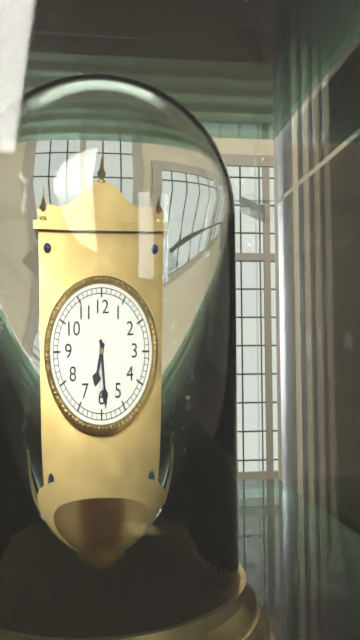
6:29
